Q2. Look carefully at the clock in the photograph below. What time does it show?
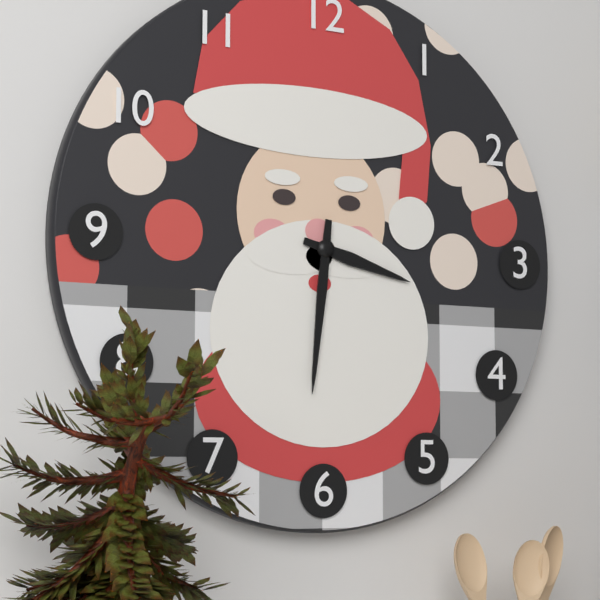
3:31
